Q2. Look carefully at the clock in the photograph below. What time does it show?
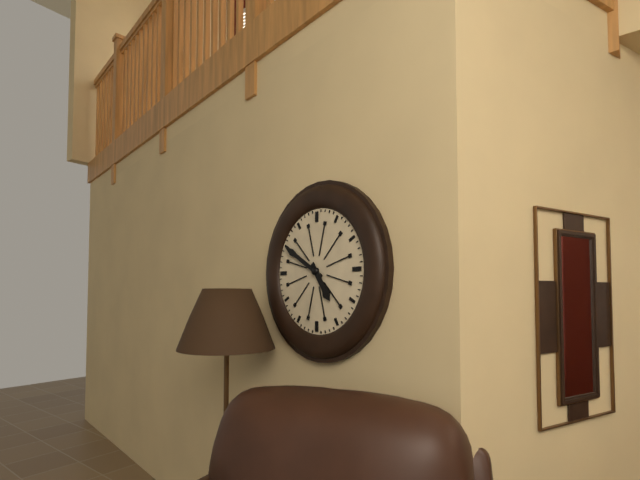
4:50
